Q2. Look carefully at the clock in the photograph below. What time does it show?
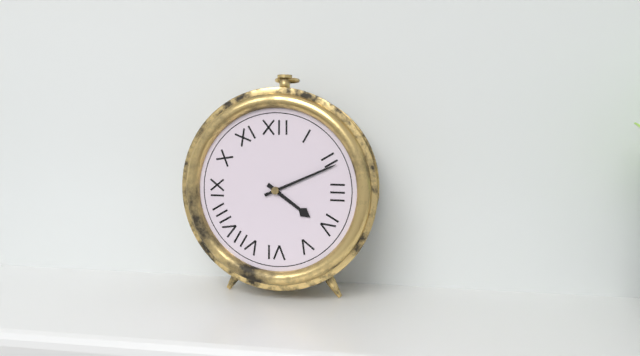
4:11
